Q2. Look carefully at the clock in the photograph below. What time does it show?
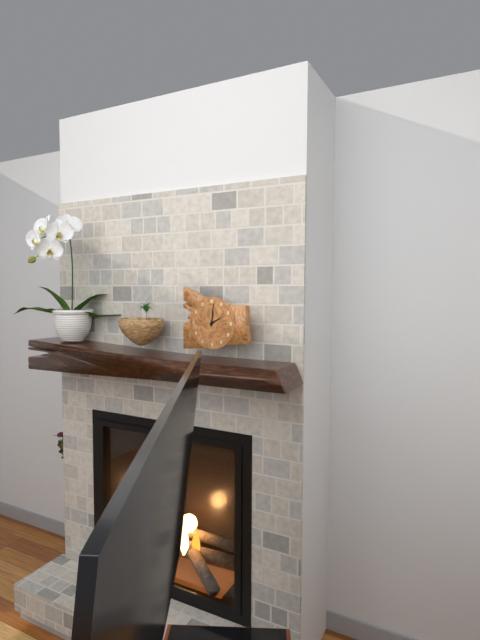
2:01
